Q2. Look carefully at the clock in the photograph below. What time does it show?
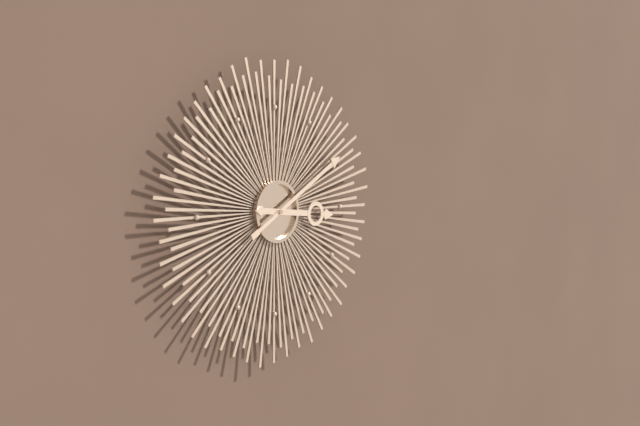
3:10
